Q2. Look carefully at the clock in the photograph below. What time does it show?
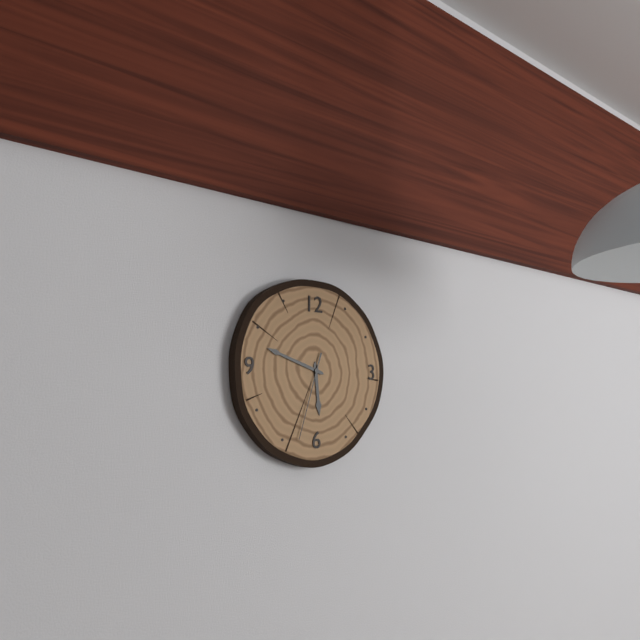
5:48:33
